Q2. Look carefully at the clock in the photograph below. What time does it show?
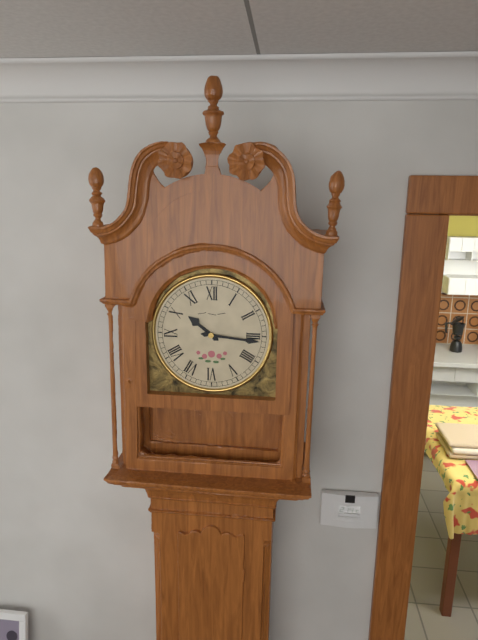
10:16
